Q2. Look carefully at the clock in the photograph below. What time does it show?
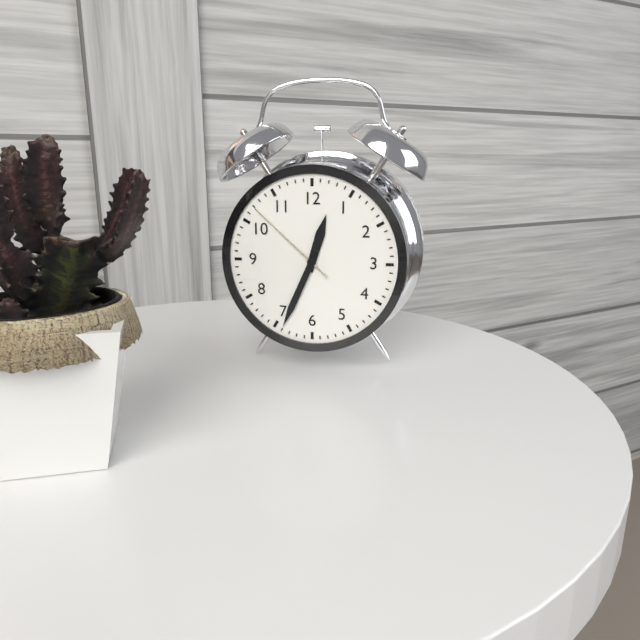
12:34:52
